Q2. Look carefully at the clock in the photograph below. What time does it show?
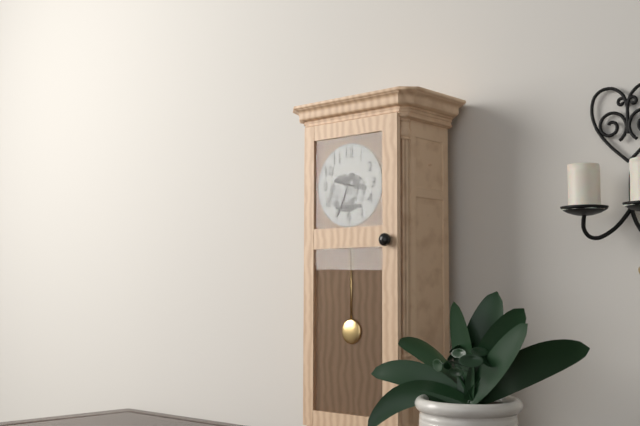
9:34
